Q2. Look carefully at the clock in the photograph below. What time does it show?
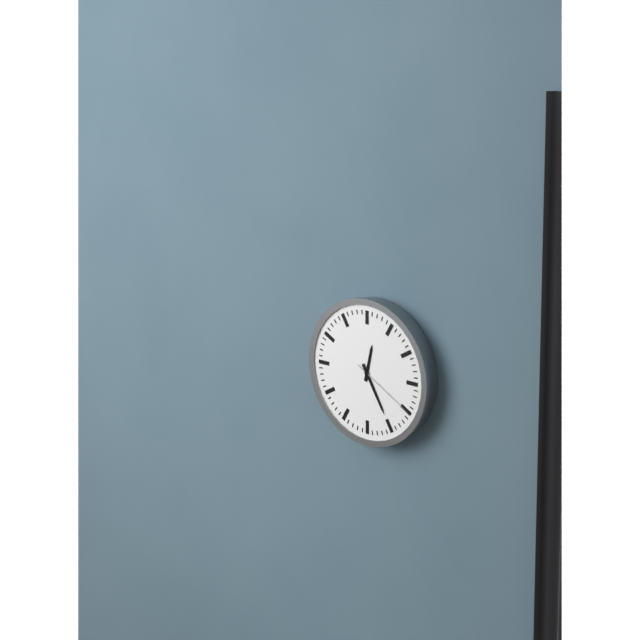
12:25:20
